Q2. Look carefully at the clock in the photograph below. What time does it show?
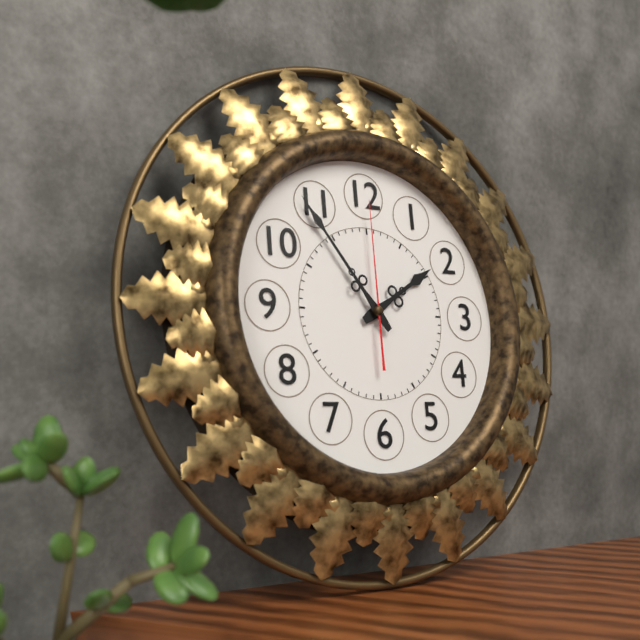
1:54:00
